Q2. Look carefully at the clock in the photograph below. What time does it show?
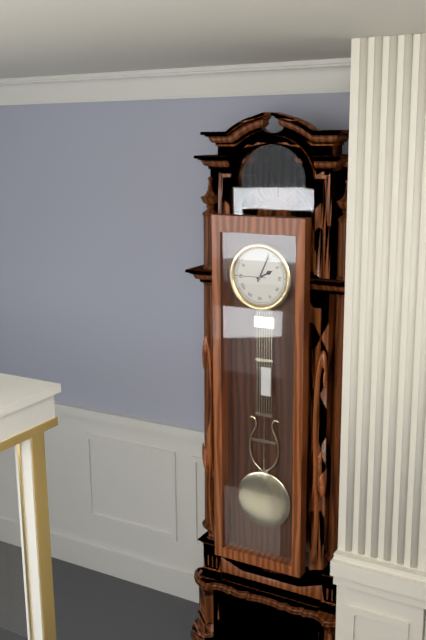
2:04
